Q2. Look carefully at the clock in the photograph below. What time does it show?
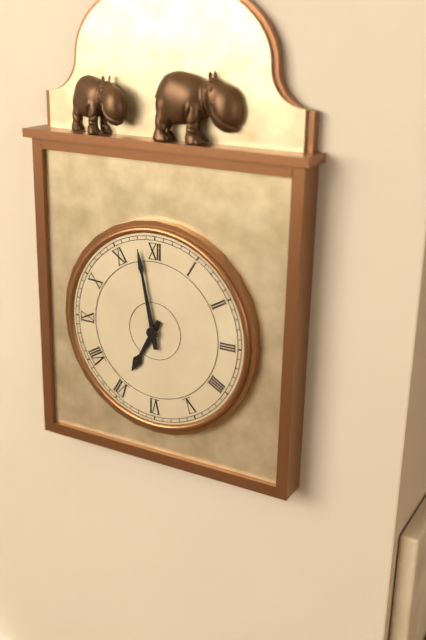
6:58
